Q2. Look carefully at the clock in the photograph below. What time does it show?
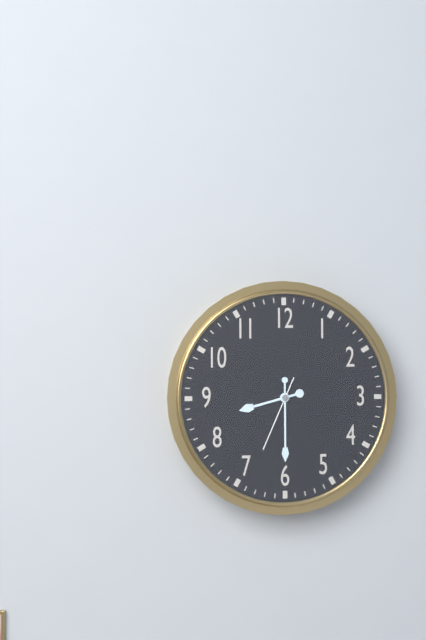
8:30:34
